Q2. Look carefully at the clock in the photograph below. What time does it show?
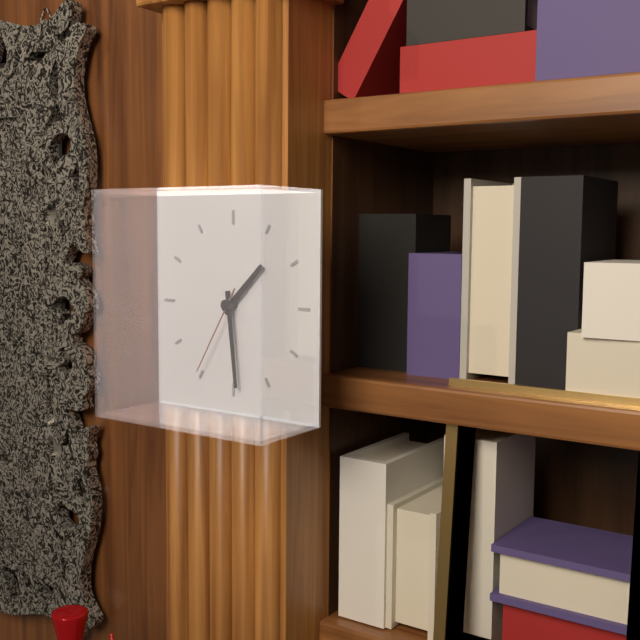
1:29:35
